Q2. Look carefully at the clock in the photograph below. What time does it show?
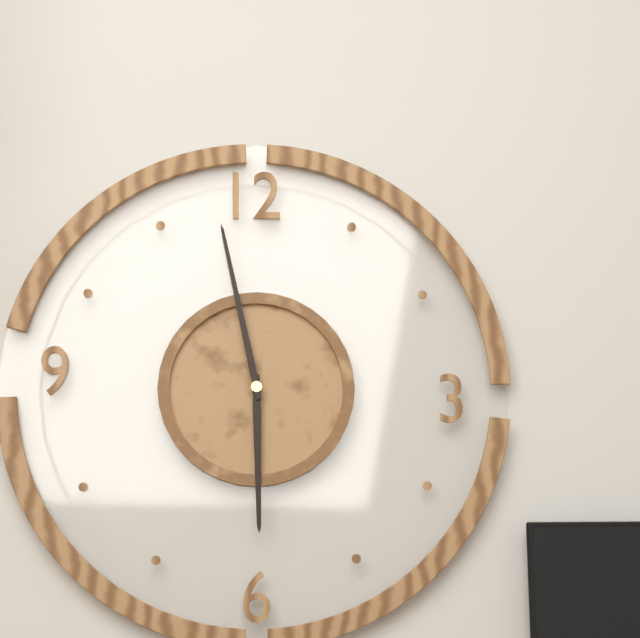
5:58
